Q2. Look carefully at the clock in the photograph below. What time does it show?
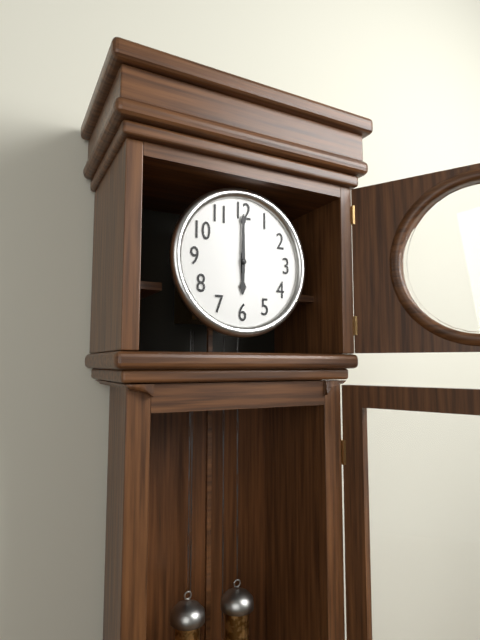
6:00
